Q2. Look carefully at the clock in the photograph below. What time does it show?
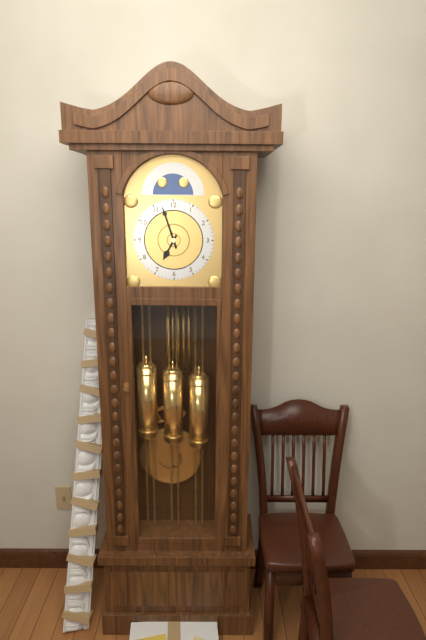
6:57
